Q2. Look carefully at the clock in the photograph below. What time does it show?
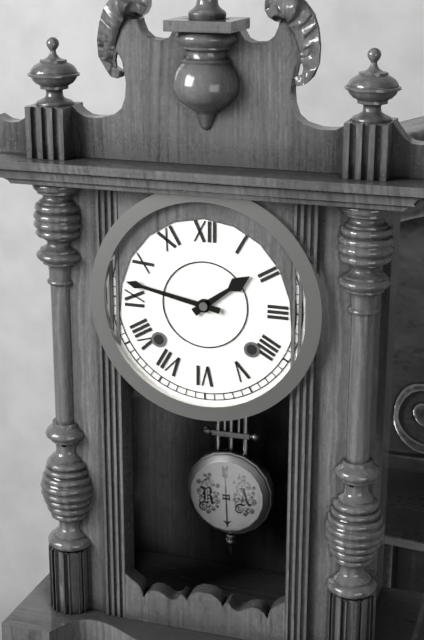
1:47
